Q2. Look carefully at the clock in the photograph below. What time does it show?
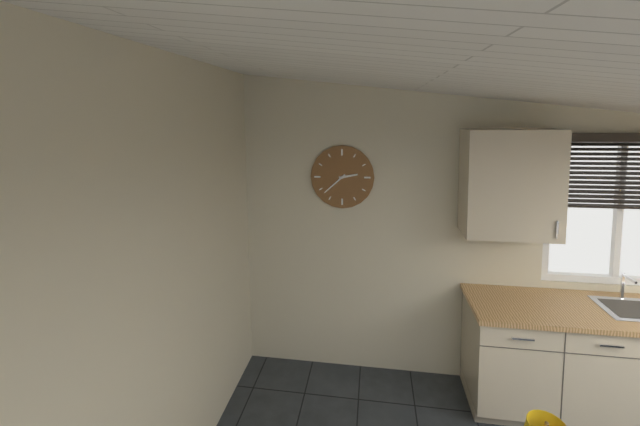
2:38
